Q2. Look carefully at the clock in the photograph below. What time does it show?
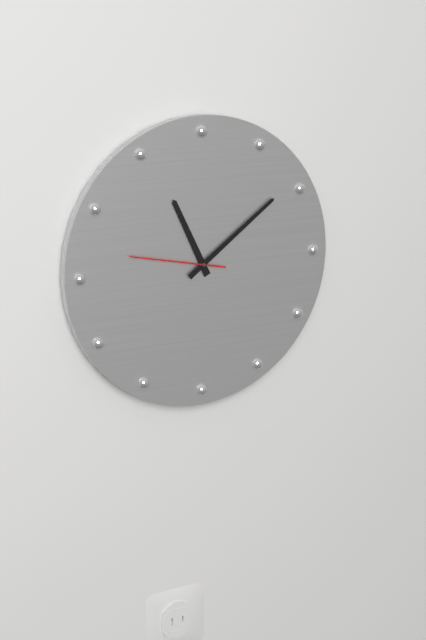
11:09:47
